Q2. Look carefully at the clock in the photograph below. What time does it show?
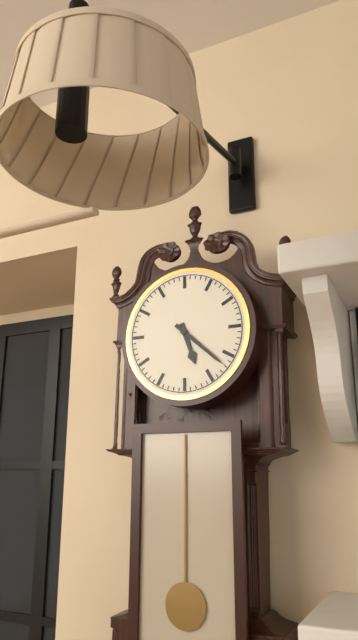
5:22
